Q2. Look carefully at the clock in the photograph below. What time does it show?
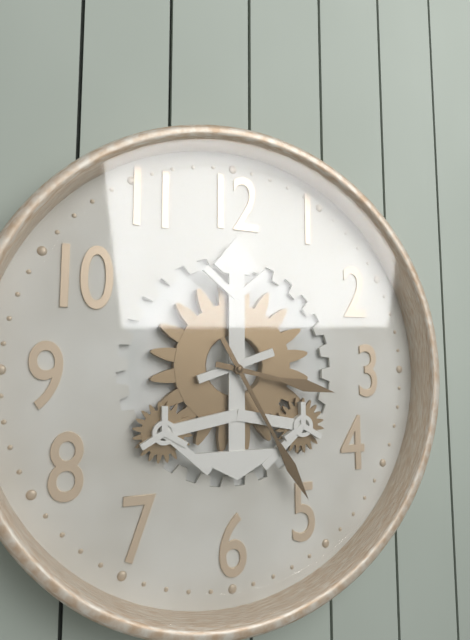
3:25
